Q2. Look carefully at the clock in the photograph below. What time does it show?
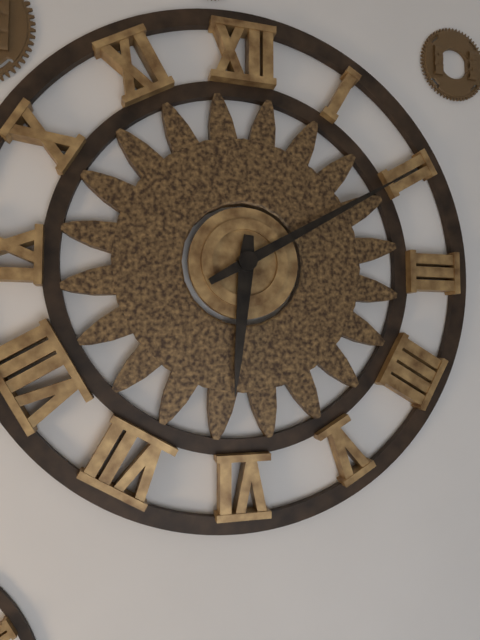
6:10
